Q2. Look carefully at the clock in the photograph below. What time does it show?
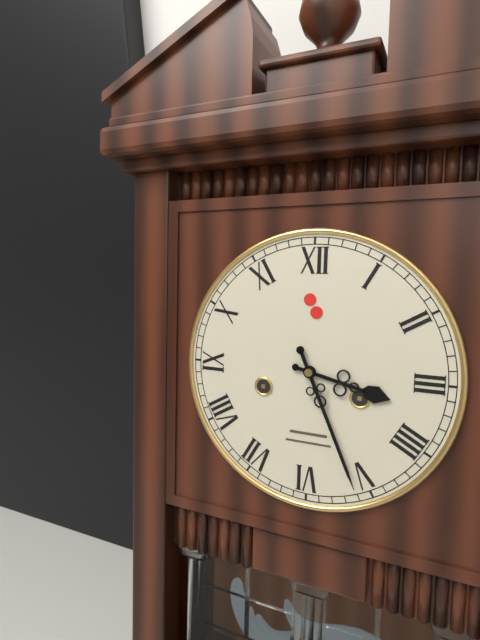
3:26
